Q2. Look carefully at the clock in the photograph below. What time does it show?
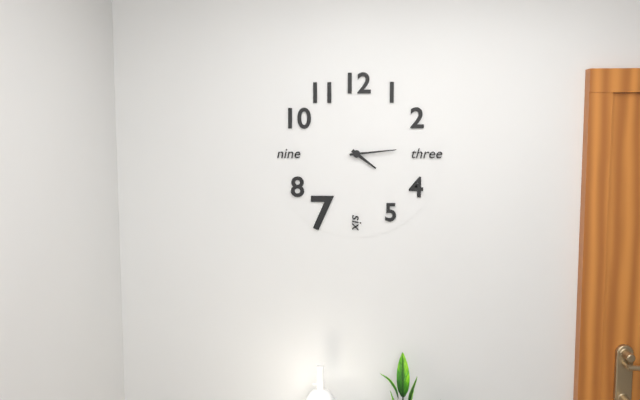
4:14
